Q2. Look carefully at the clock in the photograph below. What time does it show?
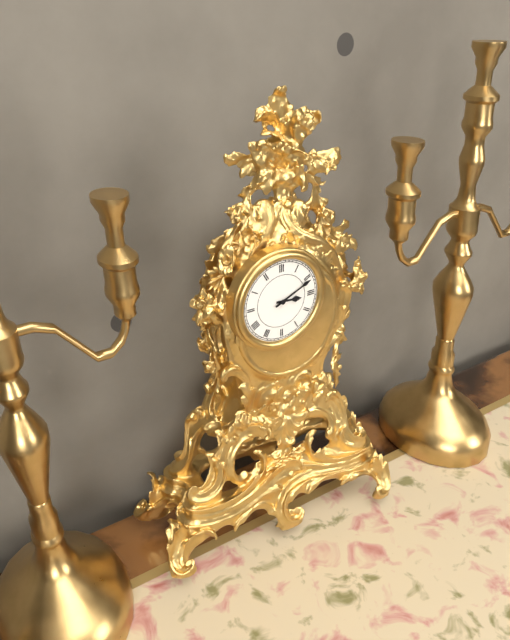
3:11
